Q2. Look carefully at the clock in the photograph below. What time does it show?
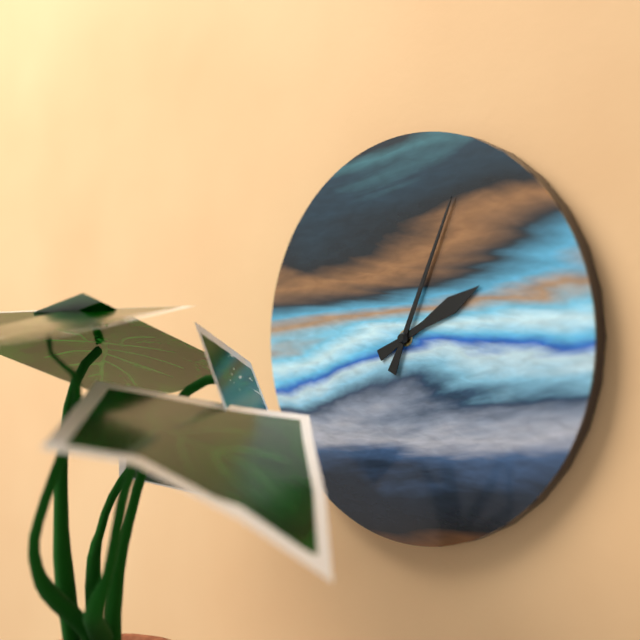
2:04
